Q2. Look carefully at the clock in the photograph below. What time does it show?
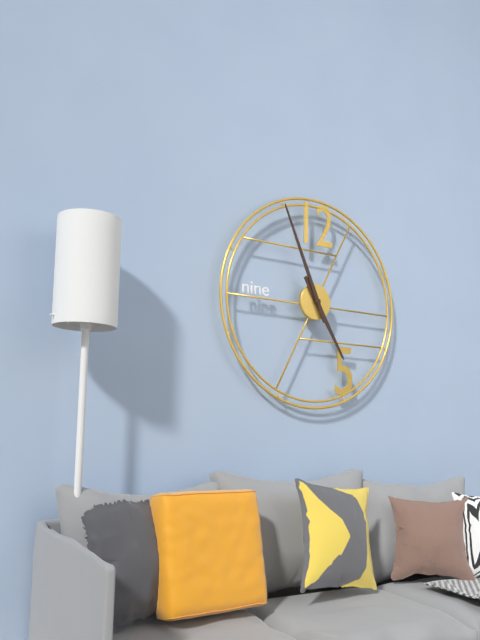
4:56
